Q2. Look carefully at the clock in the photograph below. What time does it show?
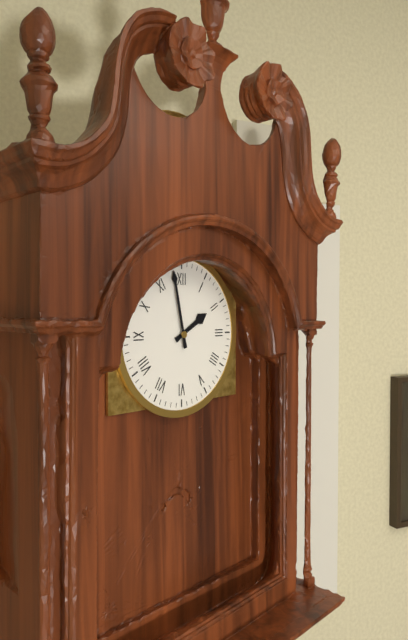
1:58
